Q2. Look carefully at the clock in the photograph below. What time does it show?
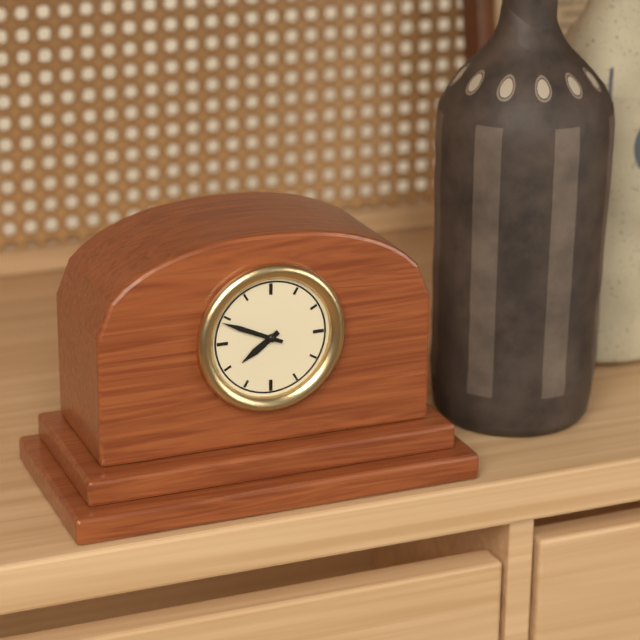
7:49
